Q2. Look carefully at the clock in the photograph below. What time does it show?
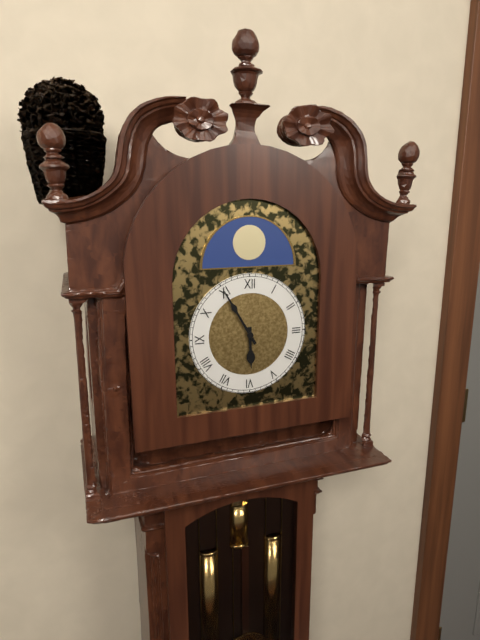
5:55
